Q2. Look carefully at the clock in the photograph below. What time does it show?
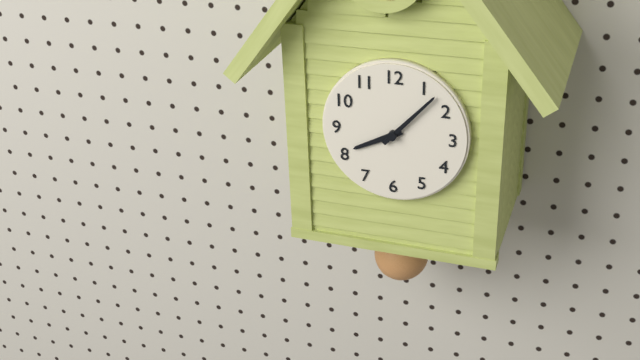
8:07
